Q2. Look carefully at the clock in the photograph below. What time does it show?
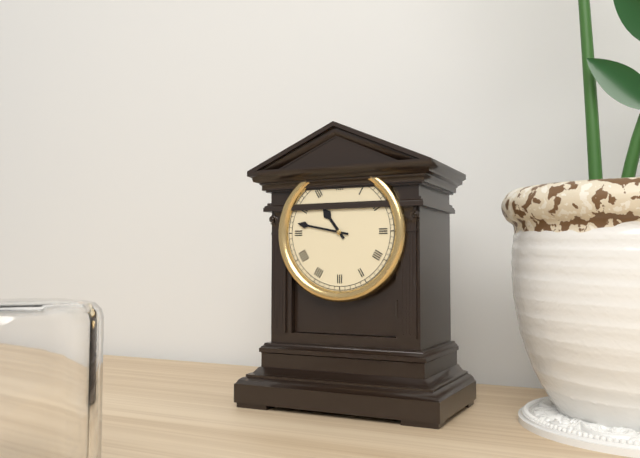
10:47
